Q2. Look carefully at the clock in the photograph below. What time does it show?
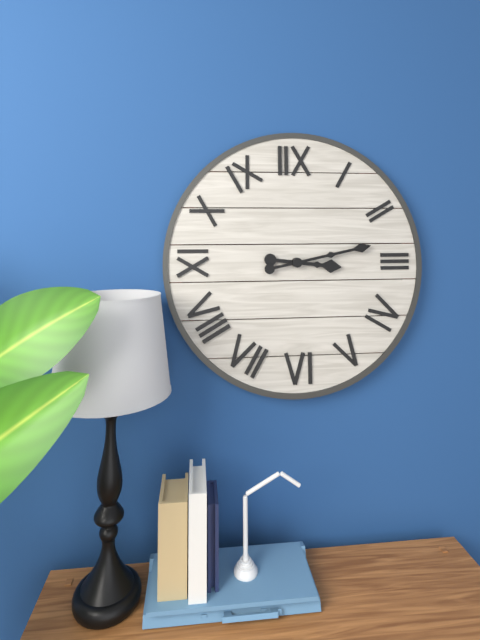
3:13
